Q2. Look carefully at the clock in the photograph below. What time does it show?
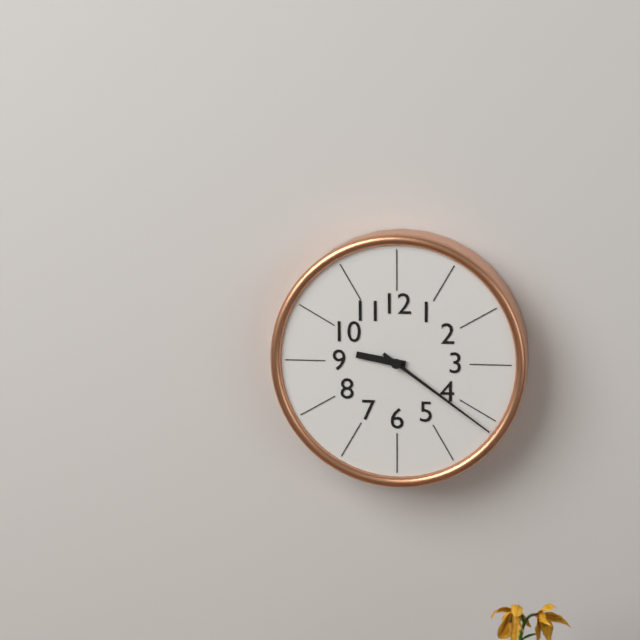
9:21
